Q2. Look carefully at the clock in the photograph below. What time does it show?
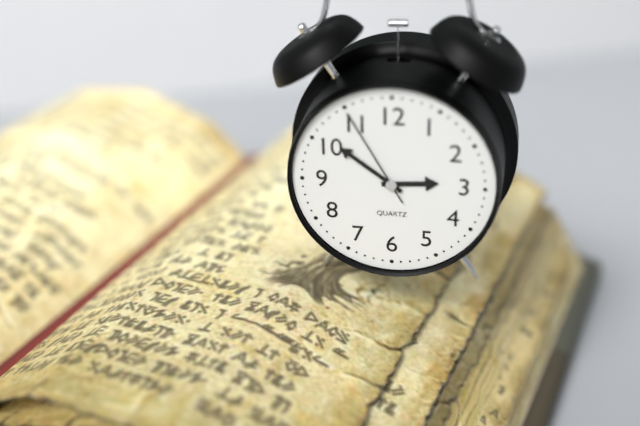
2:51:55
